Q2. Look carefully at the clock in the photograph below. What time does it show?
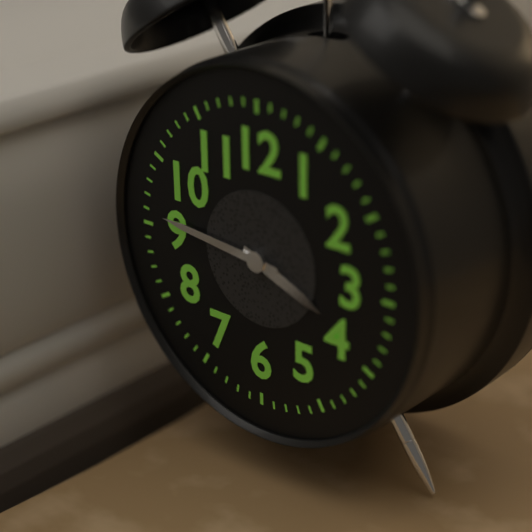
3:46
